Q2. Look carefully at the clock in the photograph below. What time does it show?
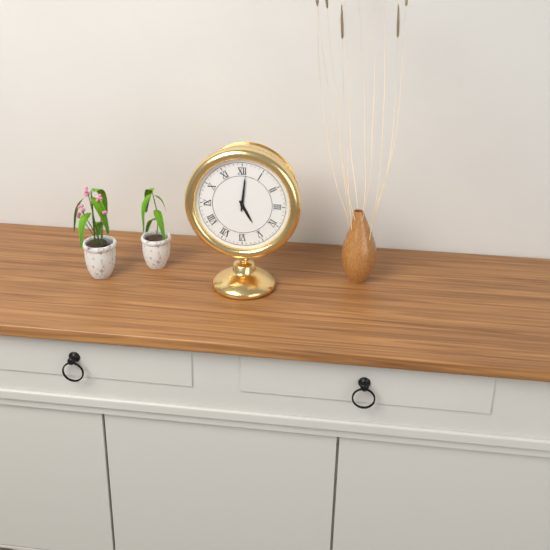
5:01
